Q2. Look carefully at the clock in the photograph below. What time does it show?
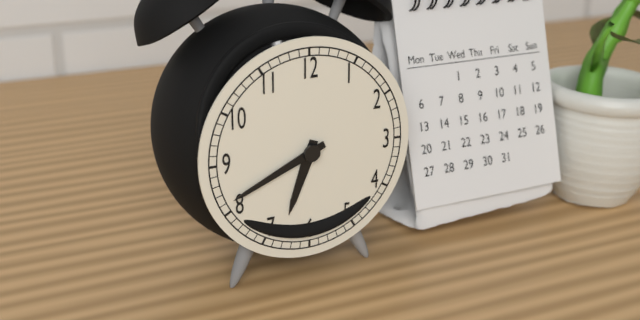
6:41
